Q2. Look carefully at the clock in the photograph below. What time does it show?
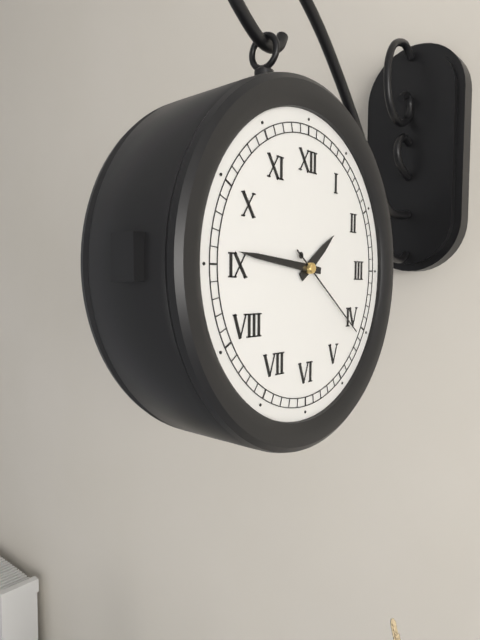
1:46:21
